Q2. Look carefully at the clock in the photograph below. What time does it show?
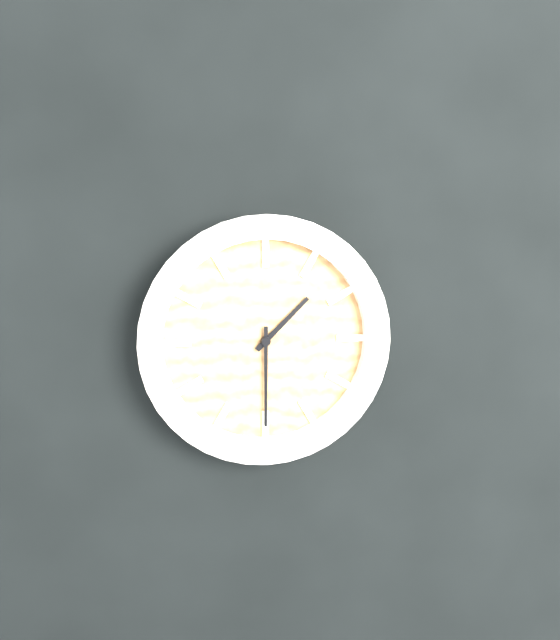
1:30
